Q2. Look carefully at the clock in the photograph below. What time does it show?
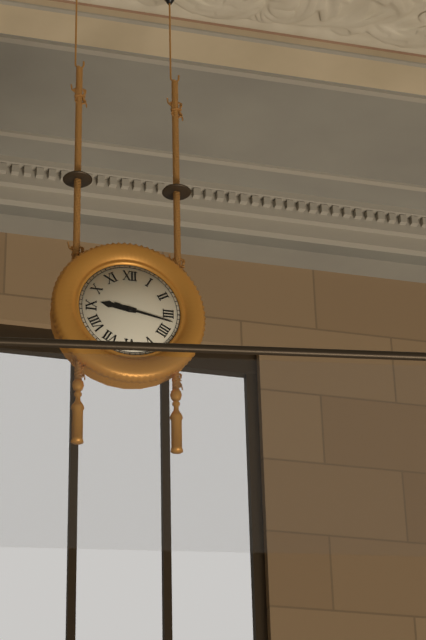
9:17
